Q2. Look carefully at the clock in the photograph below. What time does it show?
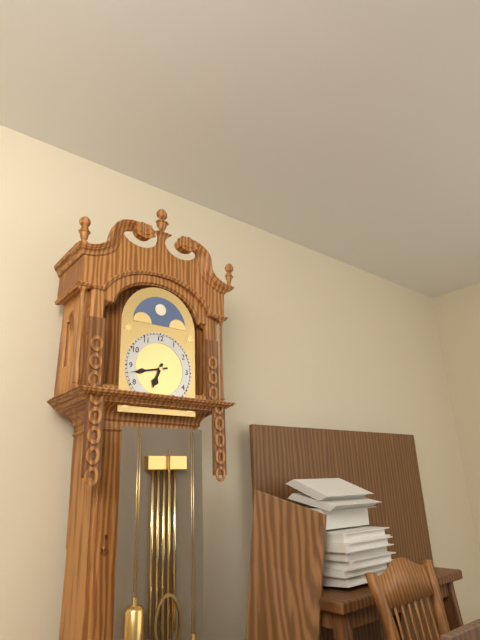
6:43
